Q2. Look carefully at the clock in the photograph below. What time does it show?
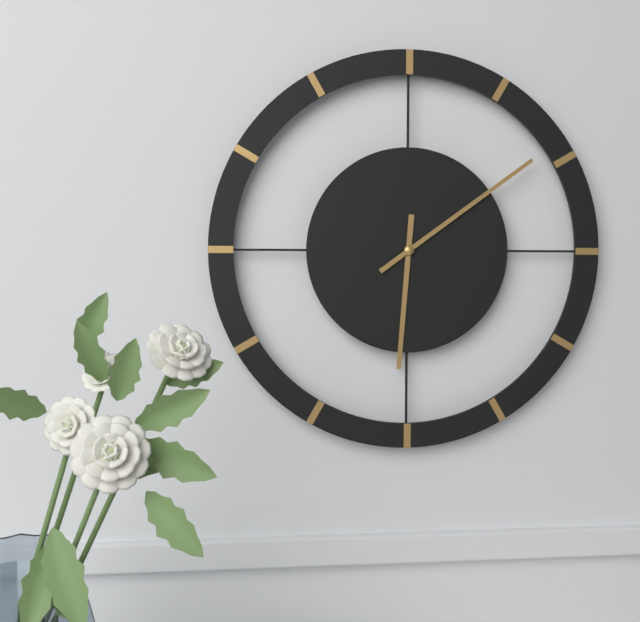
6:09
